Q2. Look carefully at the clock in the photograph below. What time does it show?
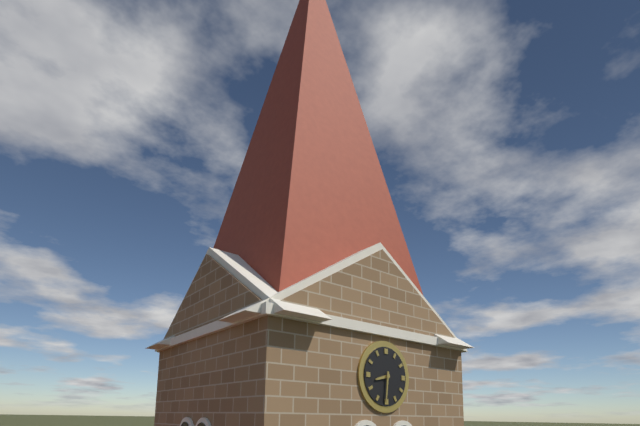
8:31
